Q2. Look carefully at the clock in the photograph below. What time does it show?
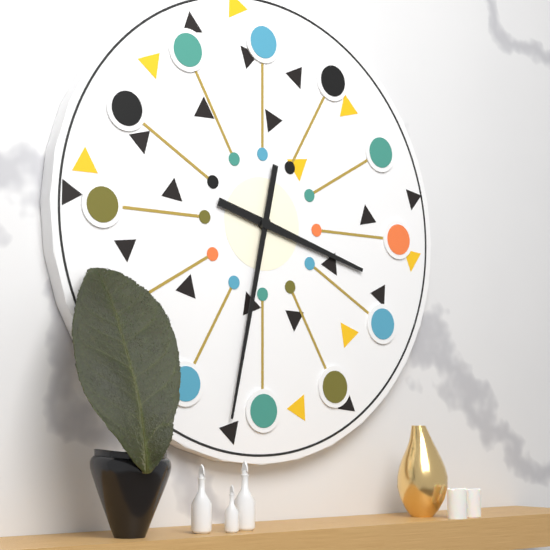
3:32
